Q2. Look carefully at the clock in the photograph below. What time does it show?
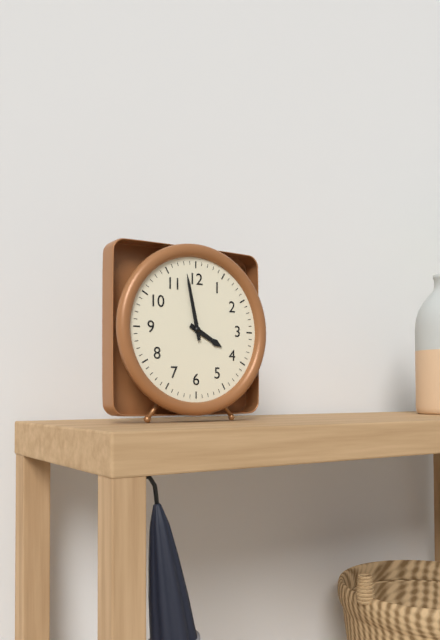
3:58
